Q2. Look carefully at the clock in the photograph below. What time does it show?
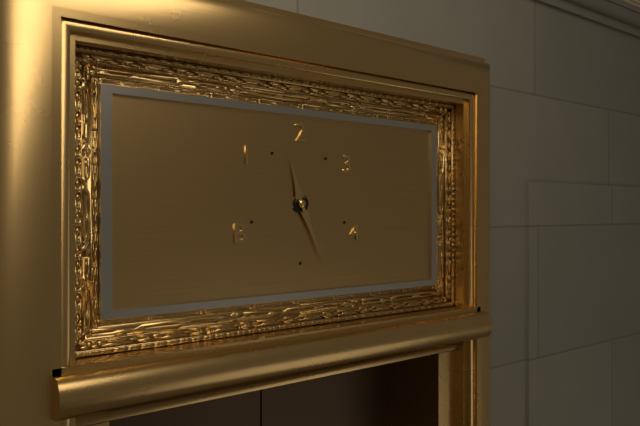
11:26
